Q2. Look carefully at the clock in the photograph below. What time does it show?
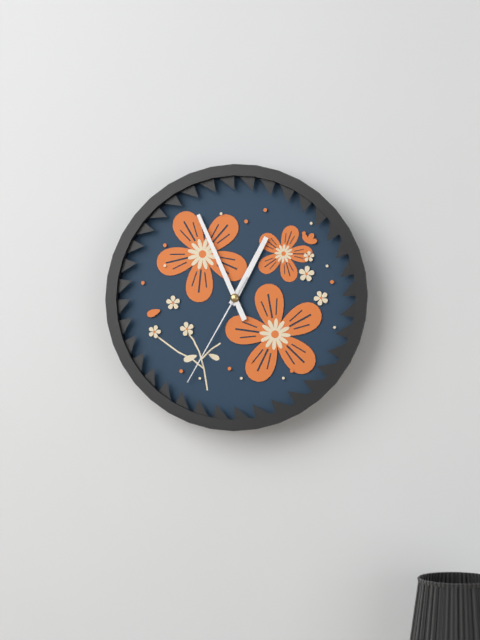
12:56:35
